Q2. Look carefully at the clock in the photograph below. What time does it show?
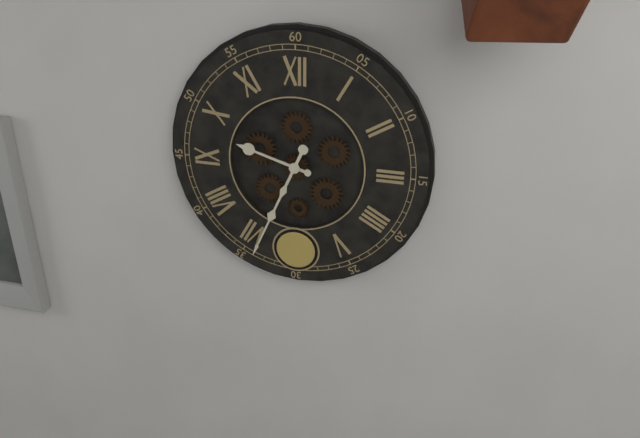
9:34
